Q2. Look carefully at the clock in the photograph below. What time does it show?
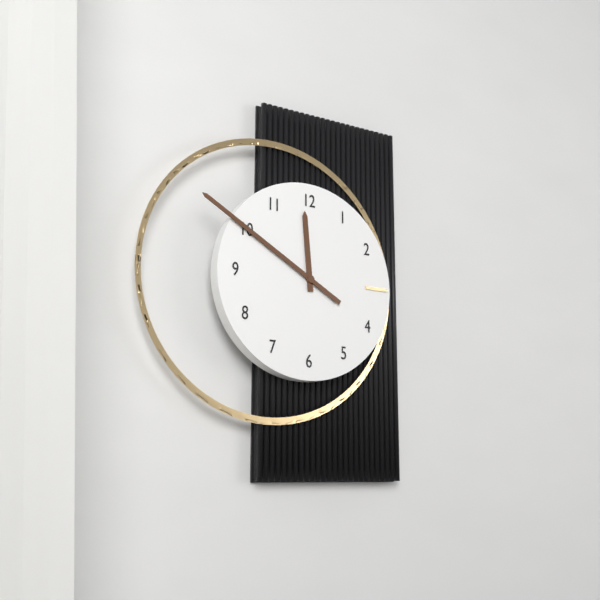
11:50
